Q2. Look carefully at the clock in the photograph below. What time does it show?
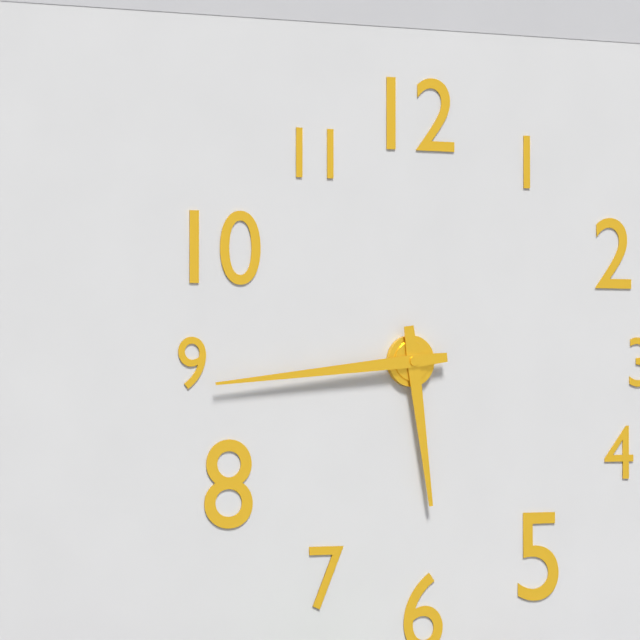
5:44
